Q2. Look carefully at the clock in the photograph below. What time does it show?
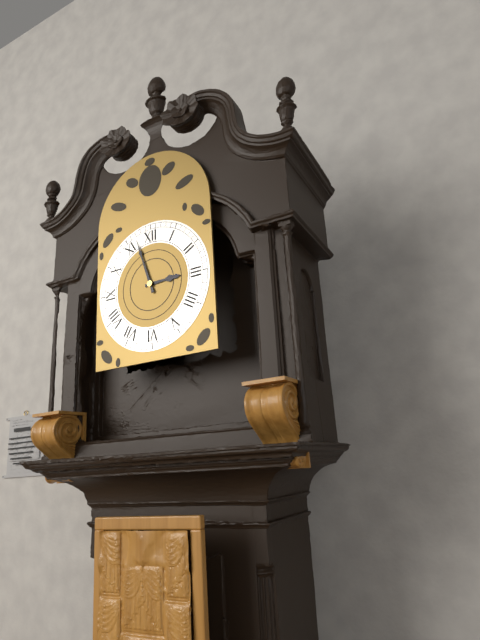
2:57
